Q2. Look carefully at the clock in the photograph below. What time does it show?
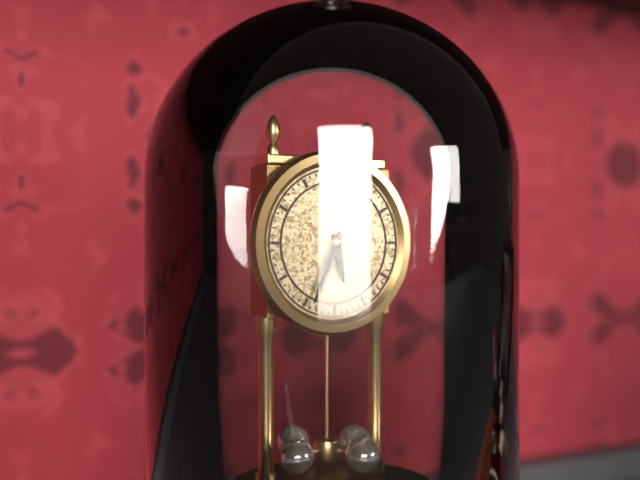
5:34
